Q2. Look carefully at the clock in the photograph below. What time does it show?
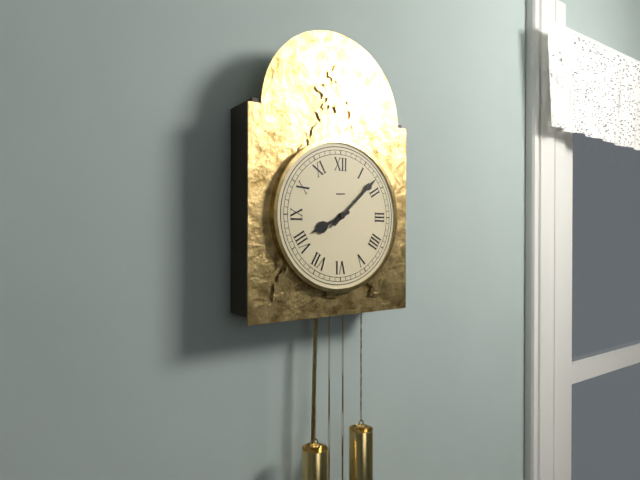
8:08
